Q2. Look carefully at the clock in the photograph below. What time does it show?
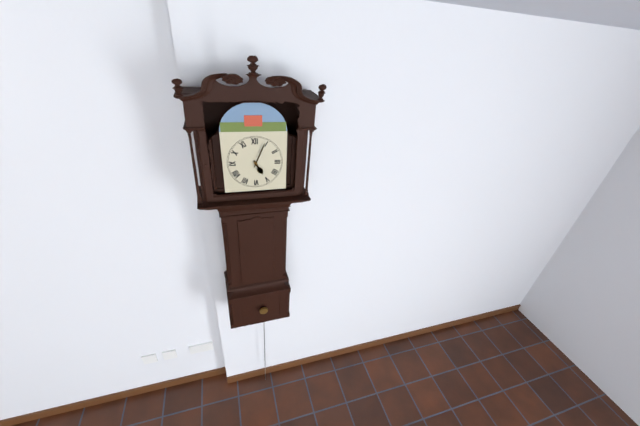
5:04
